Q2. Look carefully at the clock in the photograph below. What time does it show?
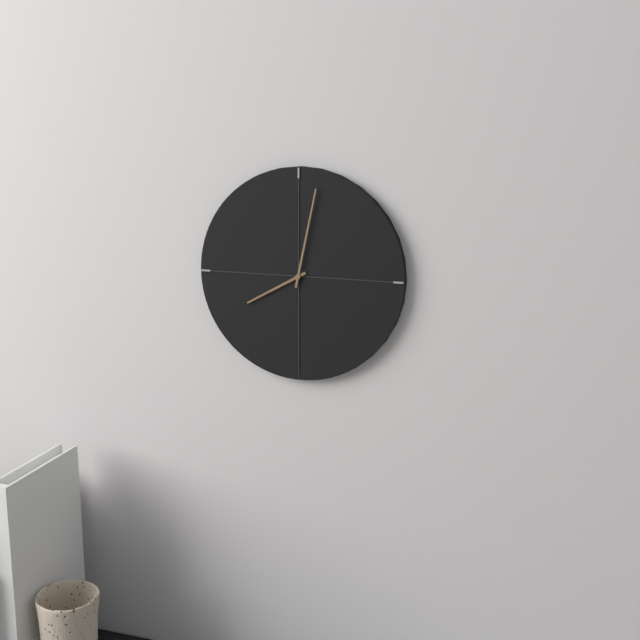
8:02
